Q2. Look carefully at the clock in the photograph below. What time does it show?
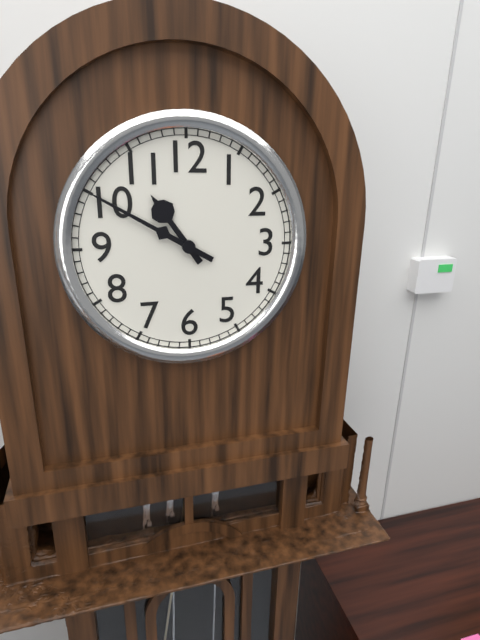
10:50
